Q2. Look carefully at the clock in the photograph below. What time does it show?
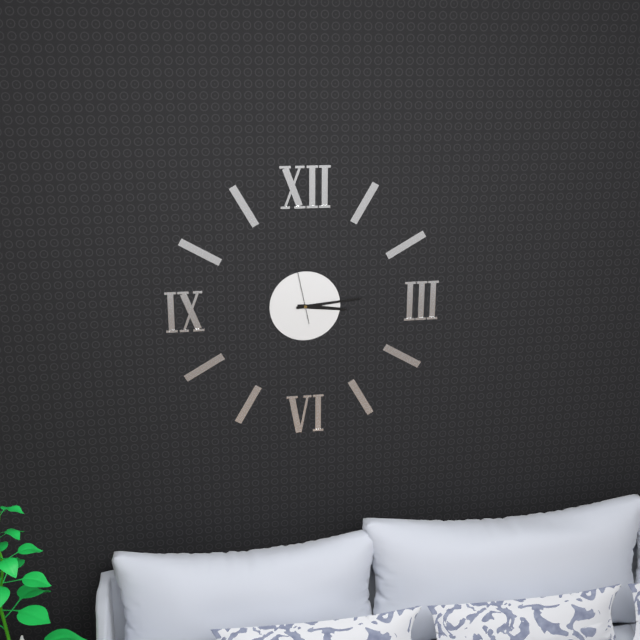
3:14:58
